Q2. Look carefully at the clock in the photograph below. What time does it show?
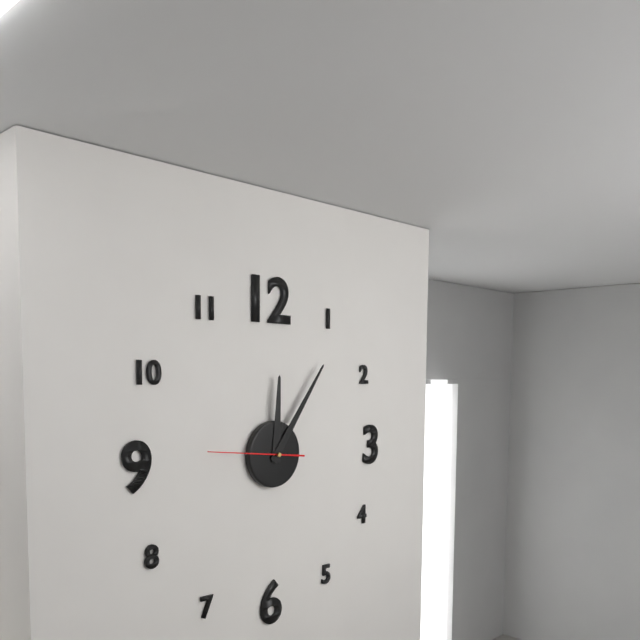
12:06:46
